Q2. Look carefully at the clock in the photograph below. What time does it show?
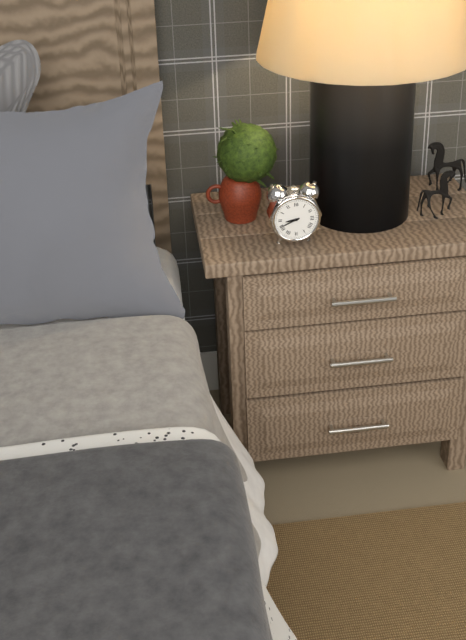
8:41
